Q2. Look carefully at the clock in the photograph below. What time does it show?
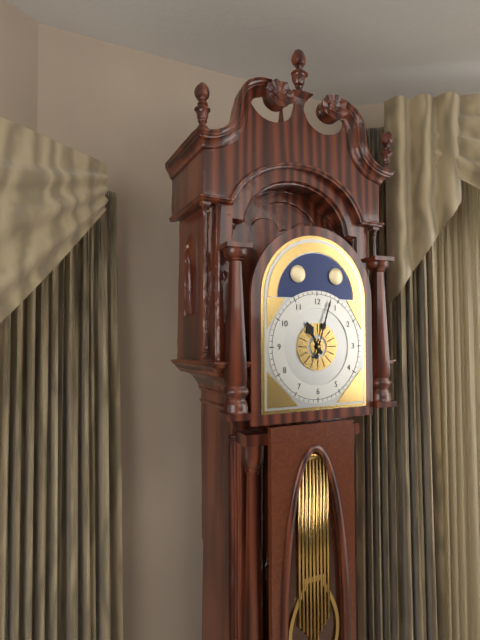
11:03
